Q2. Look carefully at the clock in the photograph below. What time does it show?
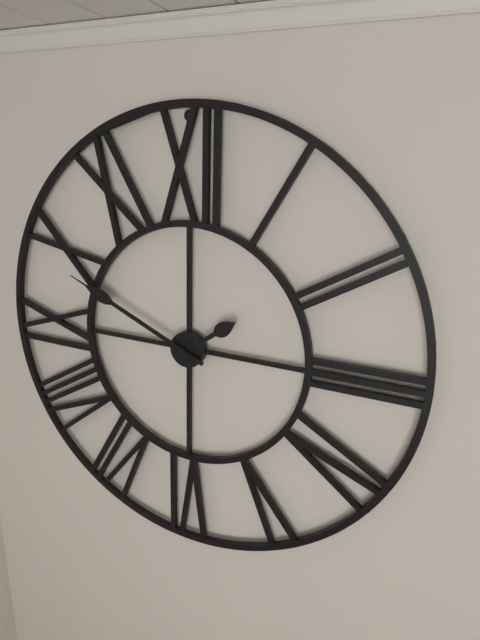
1:49
